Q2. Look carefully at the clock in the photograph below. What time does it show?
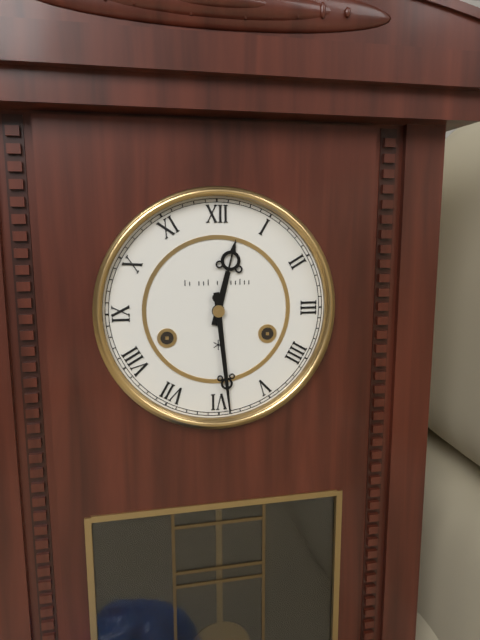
12:29
